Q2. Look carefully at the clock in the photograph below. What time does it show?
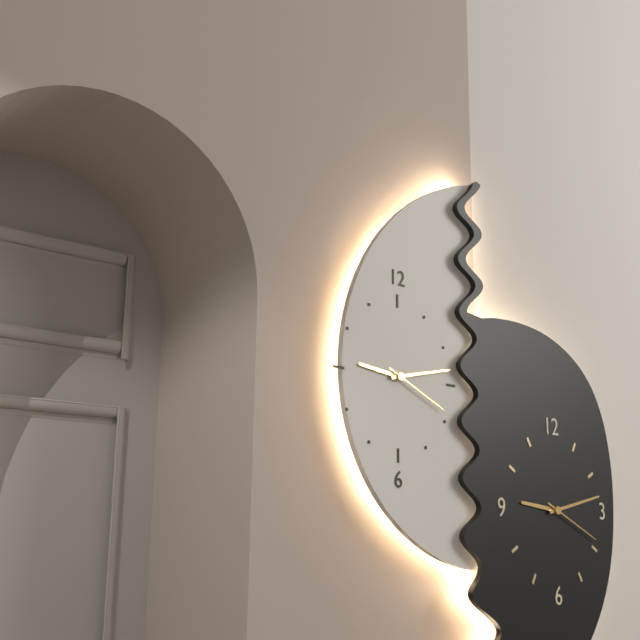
9:13:19
